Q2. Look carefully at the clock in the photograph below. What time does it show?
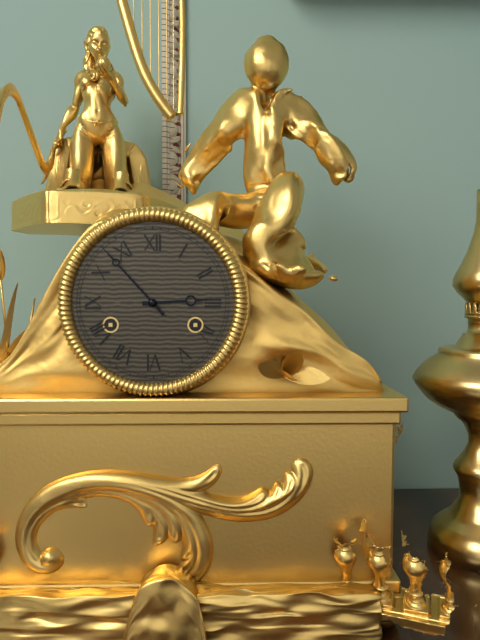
2:53
